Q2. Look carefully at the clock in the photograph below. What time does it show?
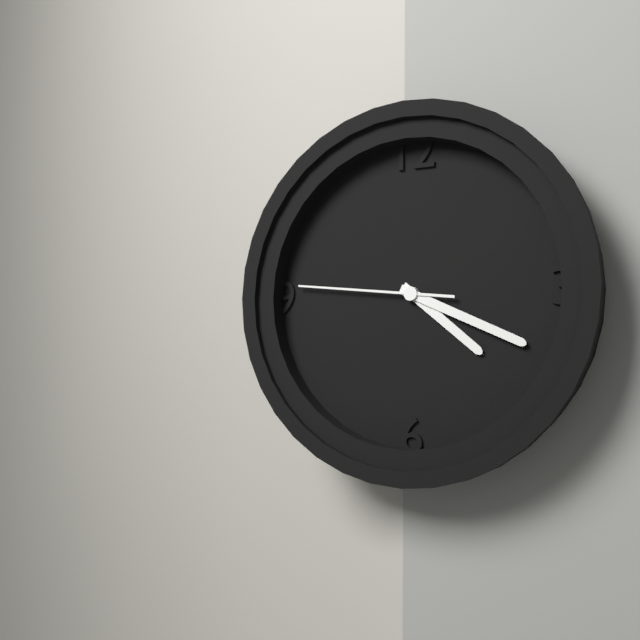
4:19:46
